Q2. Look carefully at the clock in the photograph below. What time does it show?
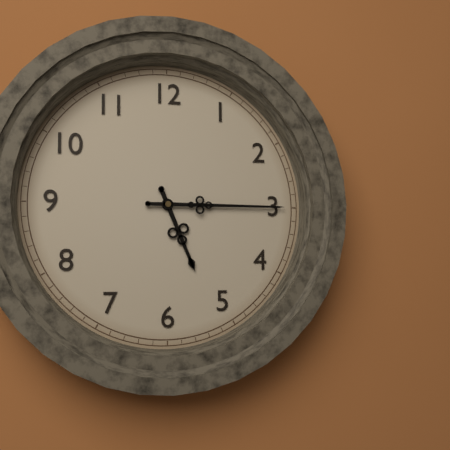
5:15
